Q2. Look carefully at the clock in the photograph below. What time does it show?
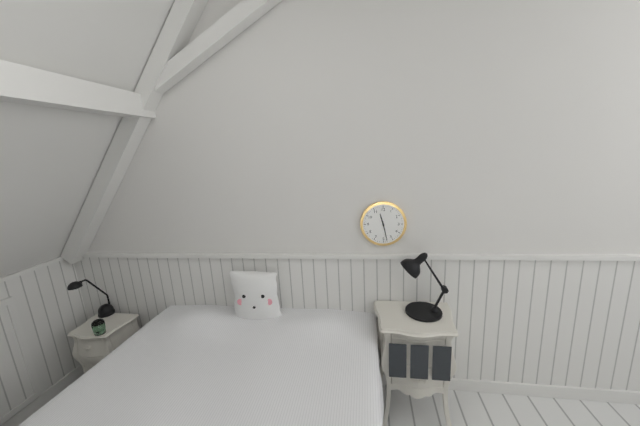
11:28
